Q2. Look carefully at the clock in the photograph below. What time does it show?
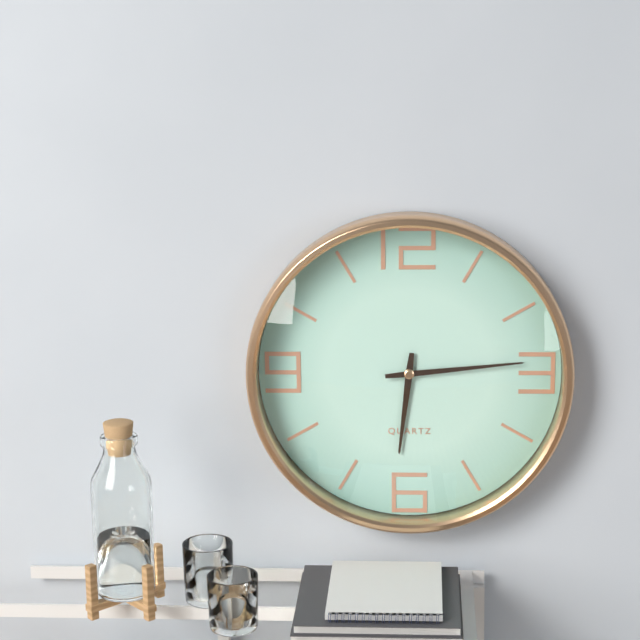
6:14
